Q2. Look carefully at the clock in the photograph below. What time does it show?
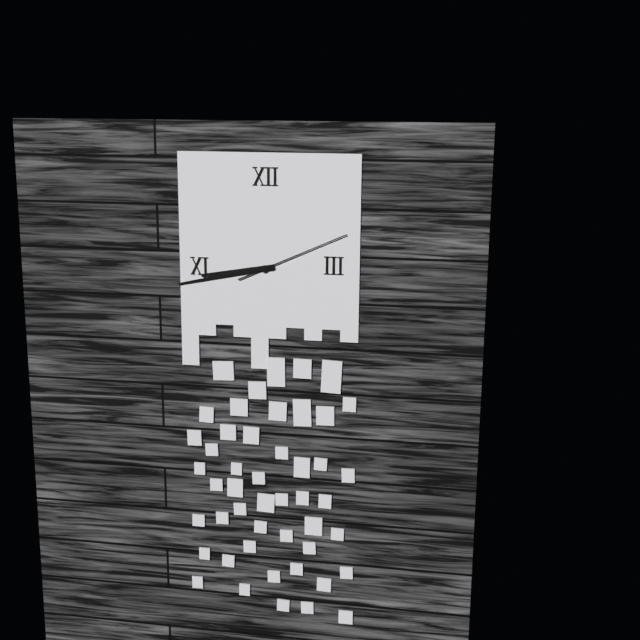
8:43:11
